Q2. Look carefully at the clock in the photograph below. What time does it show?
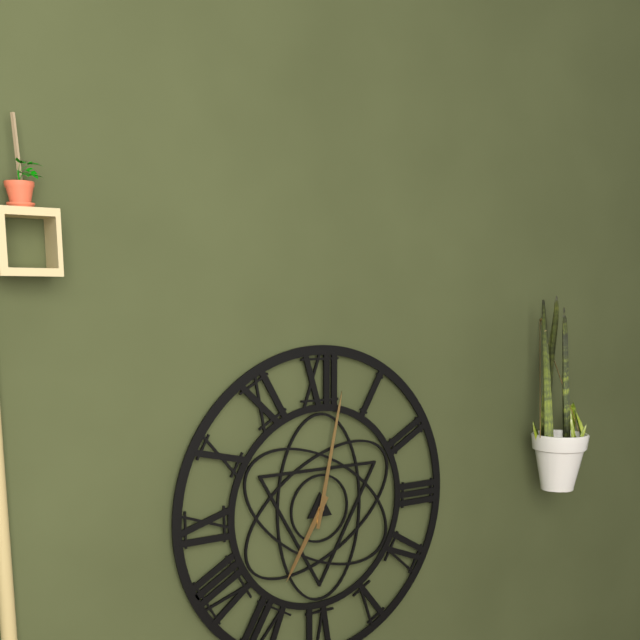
7:02
